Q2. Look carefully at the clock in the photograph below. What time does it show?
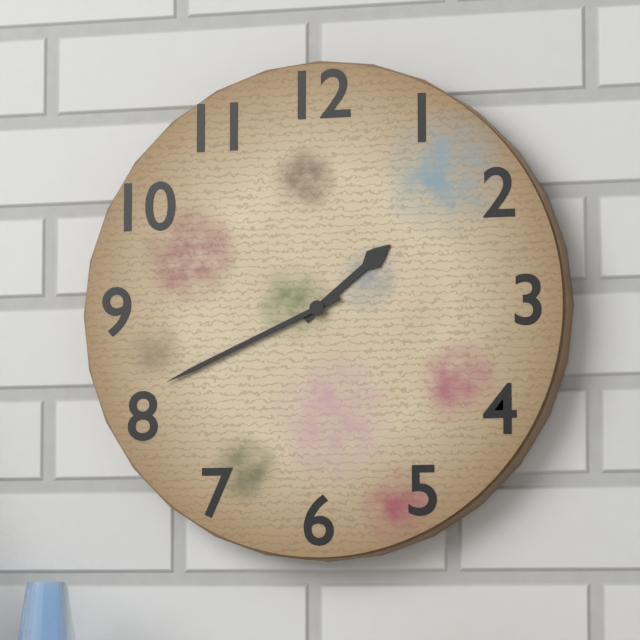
1:41
